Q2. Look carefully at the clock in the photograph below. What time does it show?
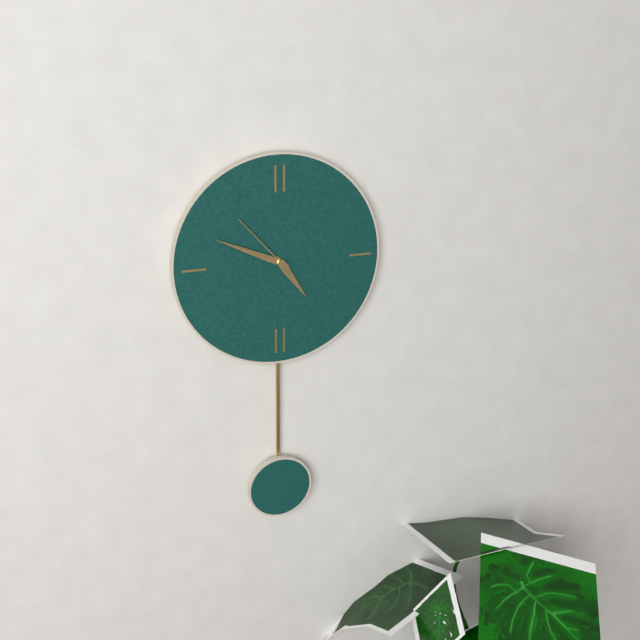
4:49:53
